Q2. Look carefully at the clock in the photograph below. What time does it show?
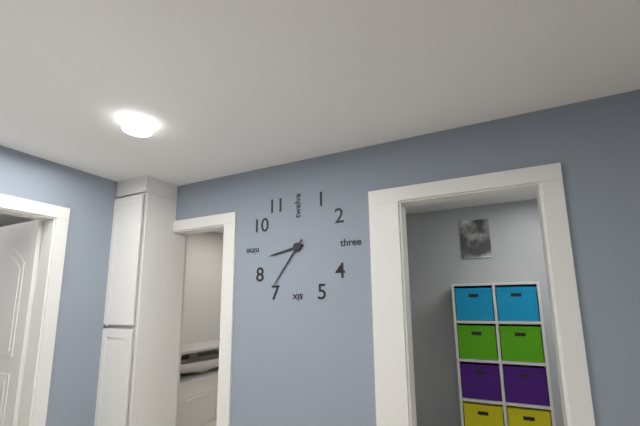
8:36
